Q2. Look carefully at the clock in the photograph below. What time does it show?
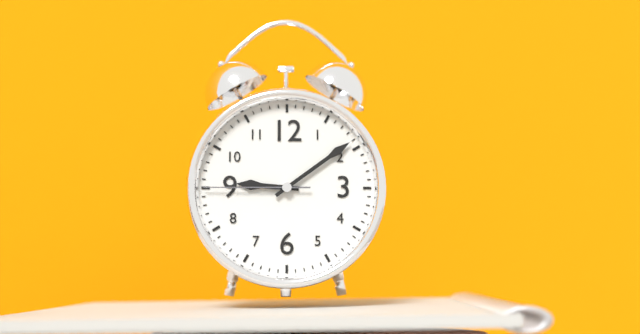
9:09:45
